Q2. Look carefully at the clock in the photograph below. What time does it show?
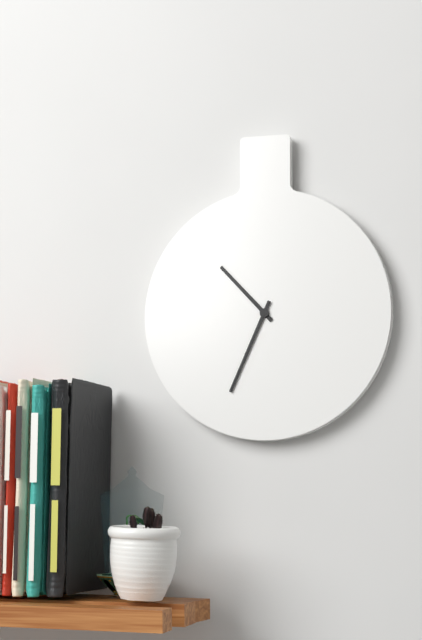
10:34
